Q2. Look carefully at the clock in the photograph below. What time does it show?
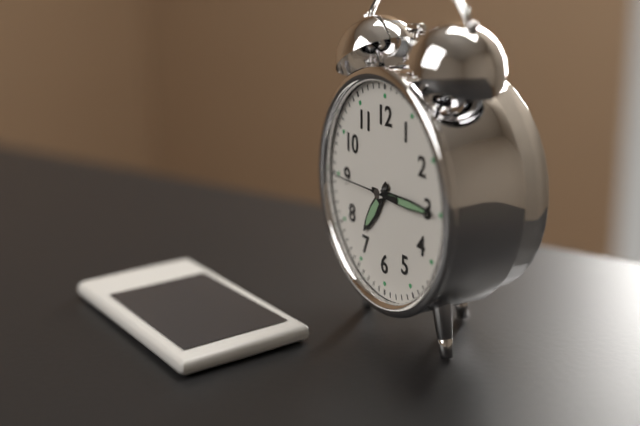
7:15:45
